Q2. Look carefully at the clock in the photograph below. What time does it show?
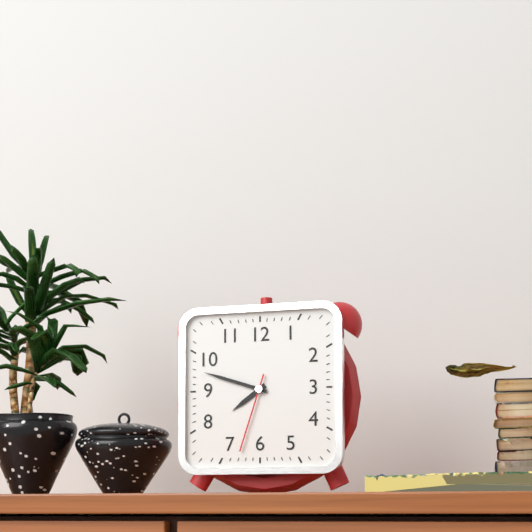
7:48:33
